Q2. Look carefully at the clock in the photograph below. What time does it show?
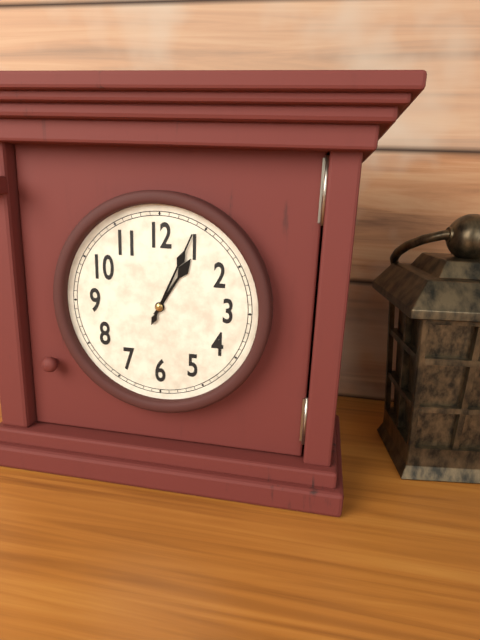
1:04
